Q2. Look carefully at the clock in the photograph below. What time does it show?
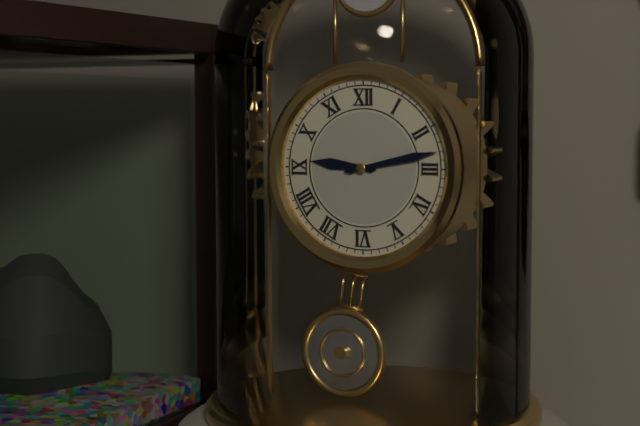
9:13
